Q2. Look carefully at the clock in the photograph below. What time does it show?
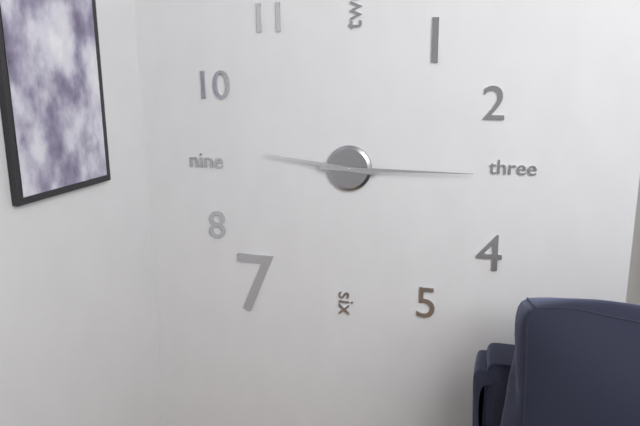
9:15
